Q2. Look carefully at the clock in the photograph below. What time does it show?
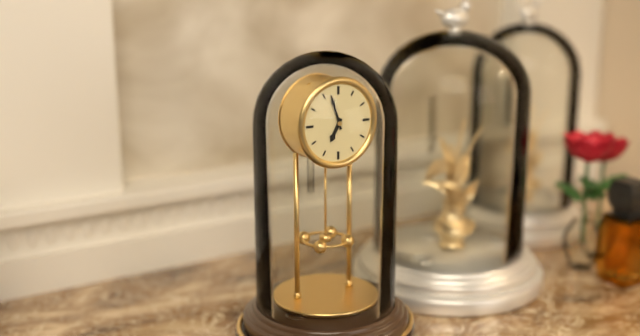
6:57
